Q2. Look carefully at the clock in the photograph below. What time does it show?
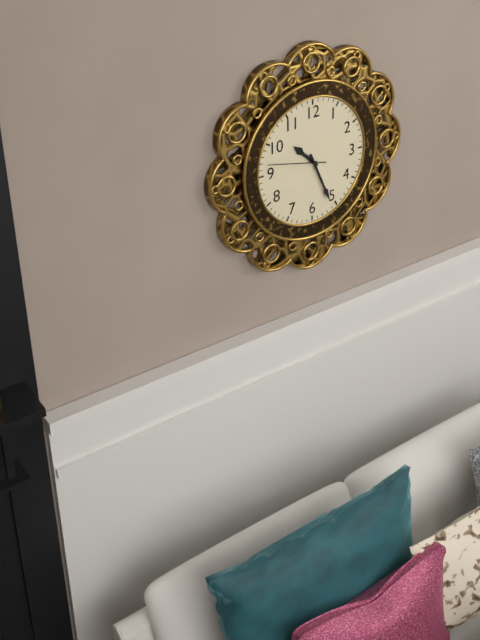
10:26
